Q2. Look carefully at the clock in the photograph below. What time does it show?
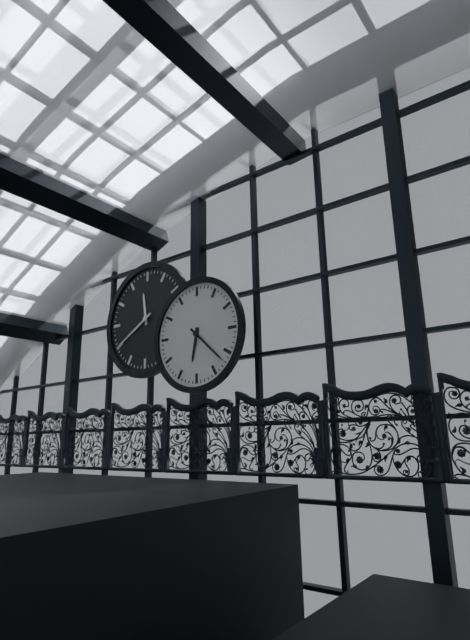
6:22
